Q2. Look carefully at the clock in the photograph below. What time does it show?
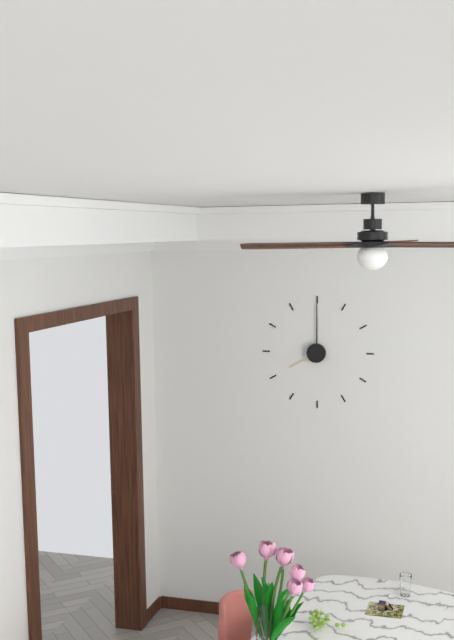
8:00
